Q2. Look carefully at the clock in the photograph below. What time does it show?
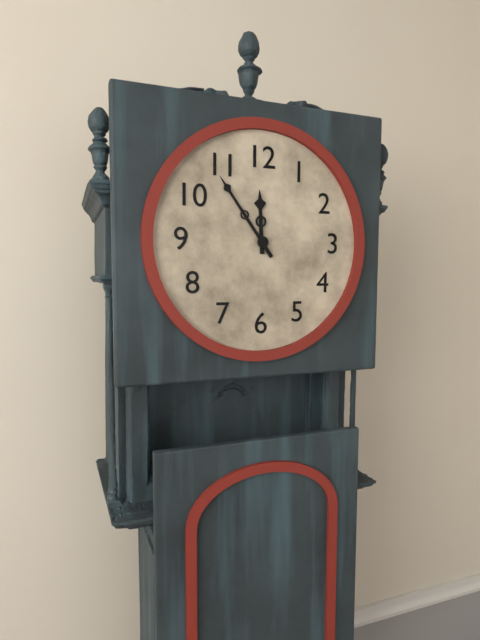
11:54
